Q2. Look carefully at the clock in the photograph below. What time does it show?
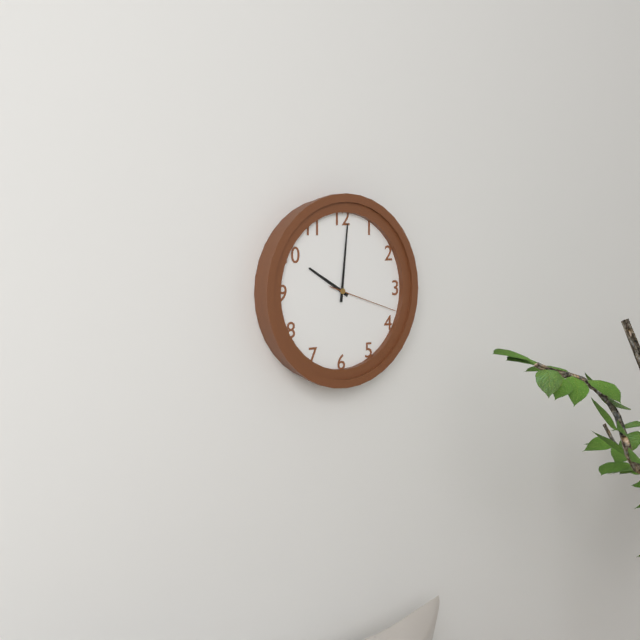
10:01:18
